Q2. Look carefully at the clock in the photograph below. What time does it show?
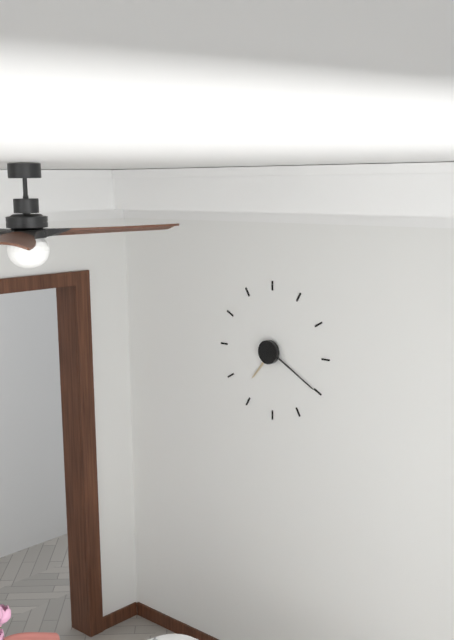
7:20
